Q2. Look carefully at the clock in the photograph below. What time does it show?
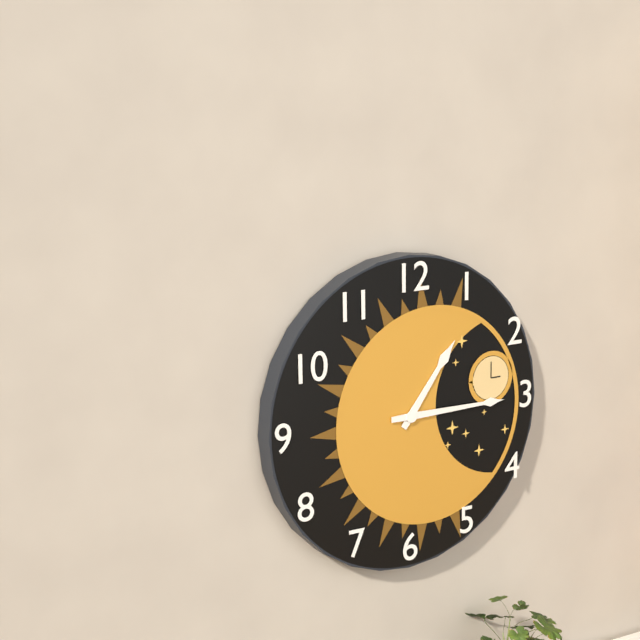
1:15
